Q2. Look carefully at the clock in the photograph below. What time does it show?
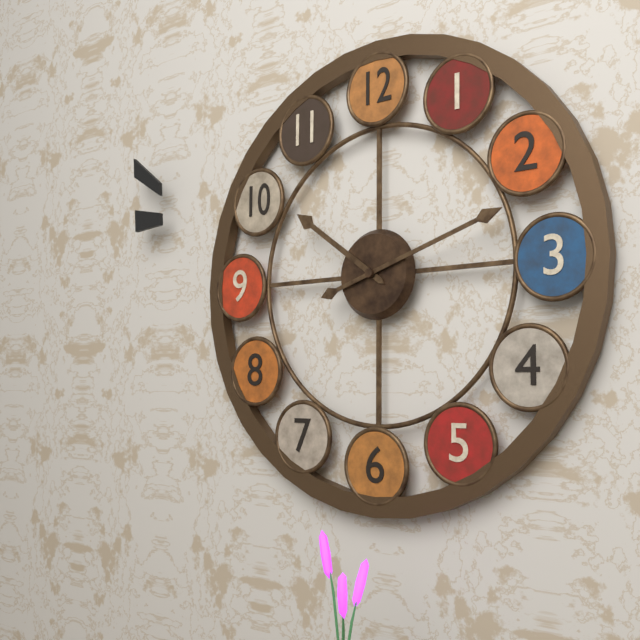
10:12
